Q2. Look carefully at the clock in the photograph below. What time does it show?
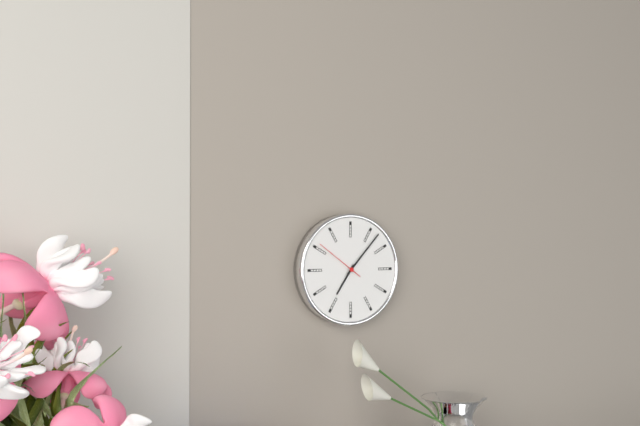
7:07:51
